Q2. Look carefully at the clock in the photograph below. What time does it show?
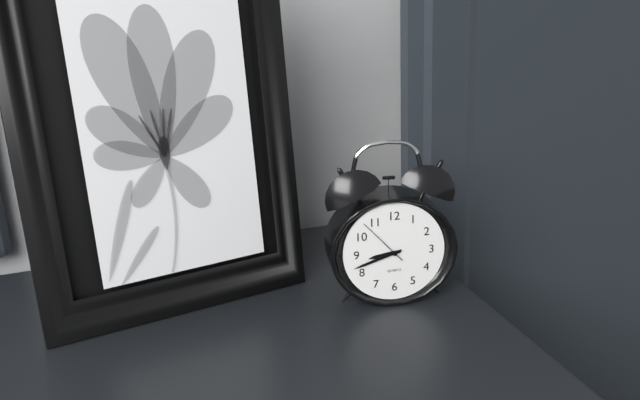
8:42:53
